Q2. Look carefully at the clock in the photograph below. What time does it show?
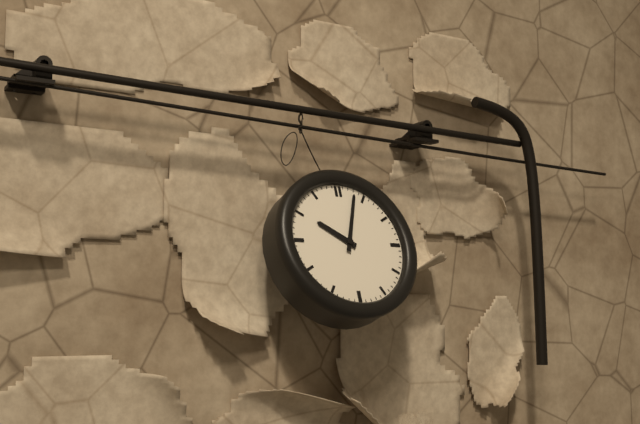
10:03
